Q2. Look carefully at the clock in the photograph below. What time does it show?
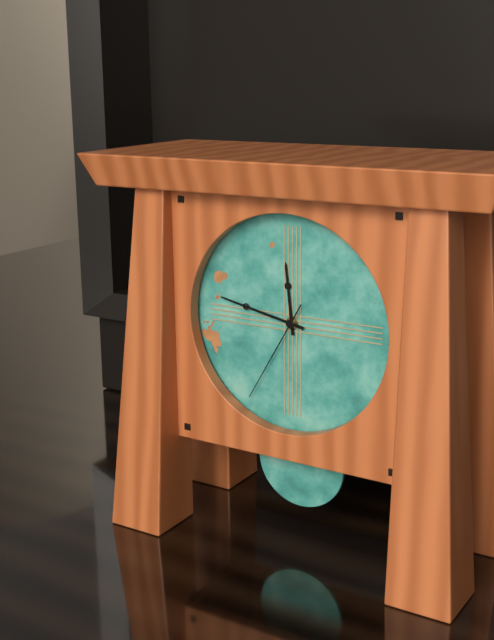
11:47:35
